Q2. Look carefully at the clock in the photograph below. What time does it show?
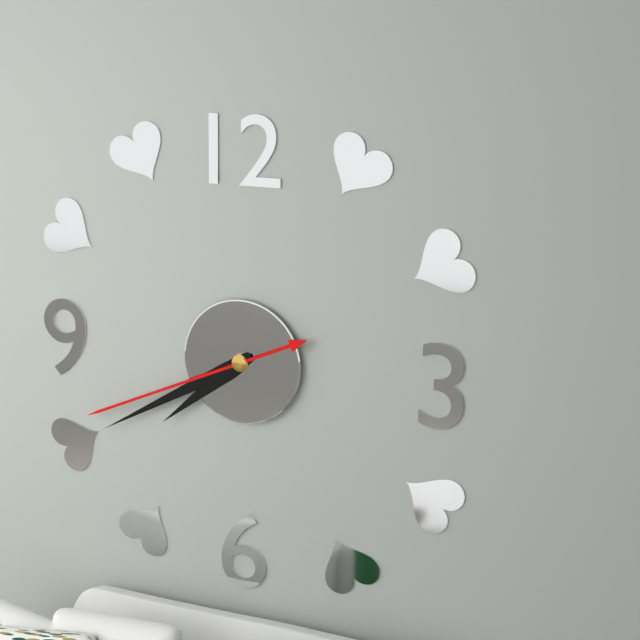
7:40:41
